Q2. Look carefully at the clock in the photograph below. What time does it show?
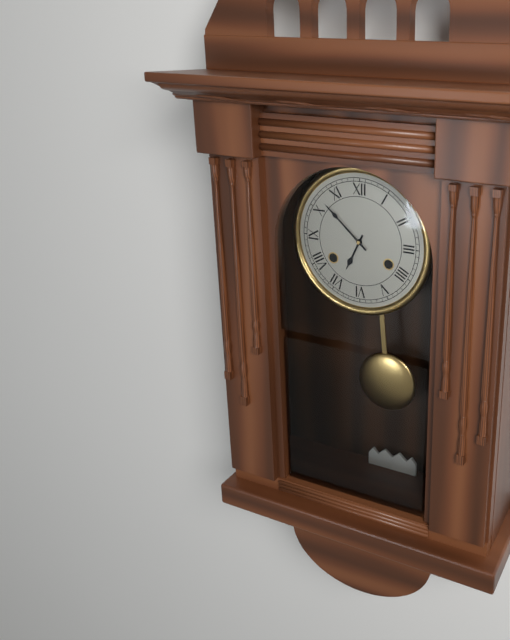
6:52
